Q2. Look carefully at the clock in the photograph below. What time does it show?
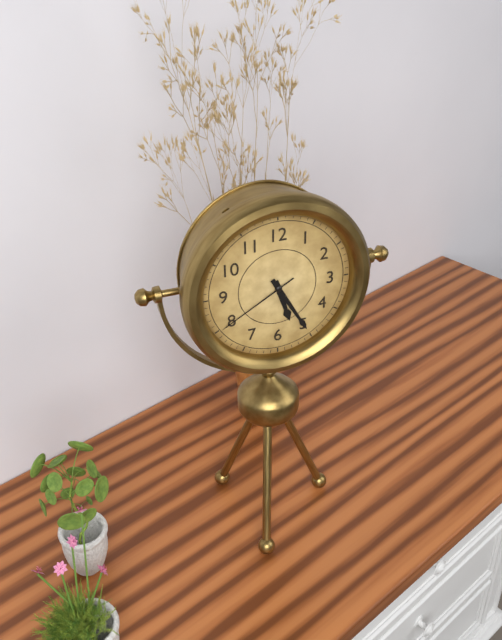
5:25:40
